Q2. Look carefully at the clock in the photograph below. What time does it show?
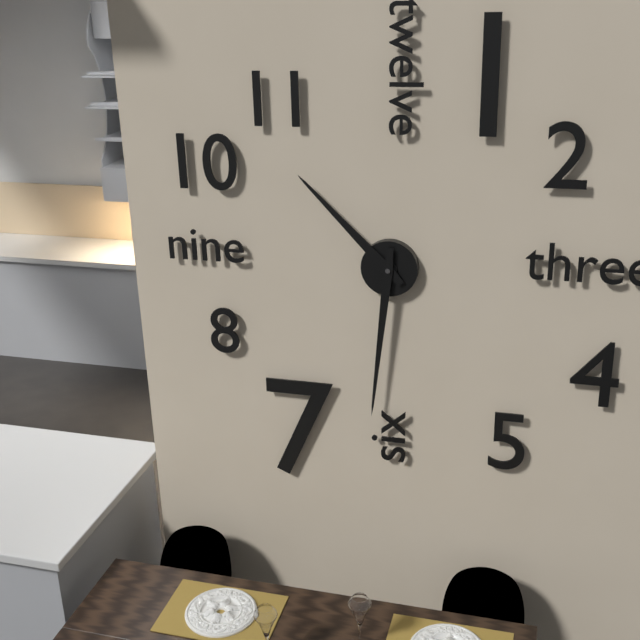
10:31
